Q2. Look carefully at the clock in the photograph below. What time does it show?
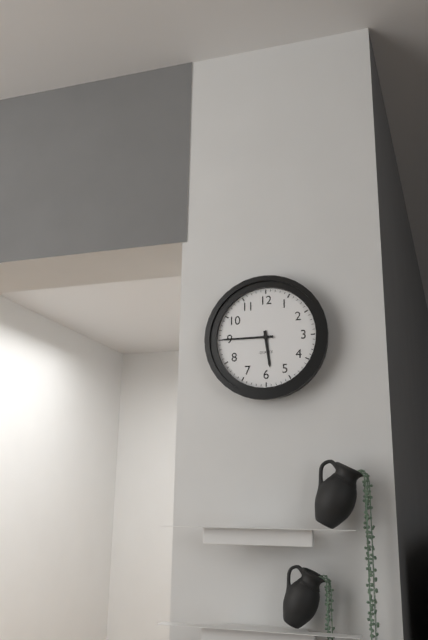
5:45
